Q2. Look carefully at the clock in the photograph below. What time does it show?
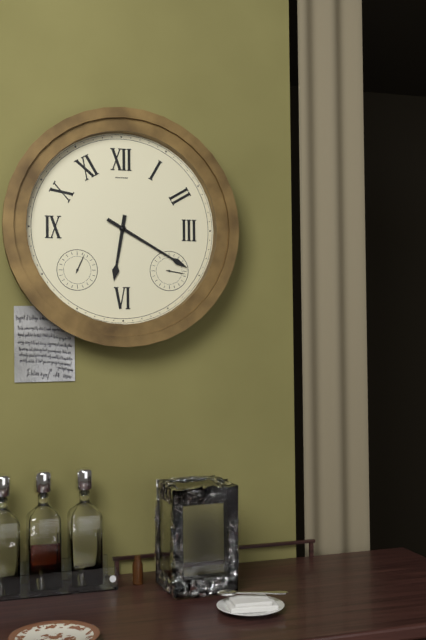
6:20
